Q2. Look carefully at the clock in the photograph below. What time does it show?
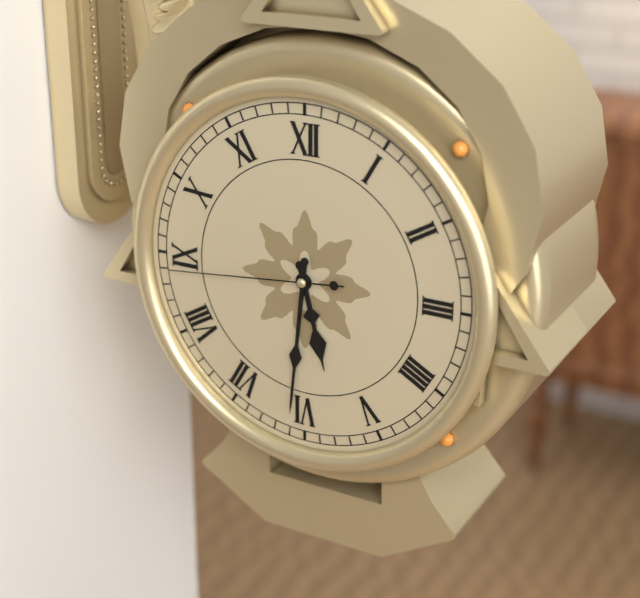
5:31:44
